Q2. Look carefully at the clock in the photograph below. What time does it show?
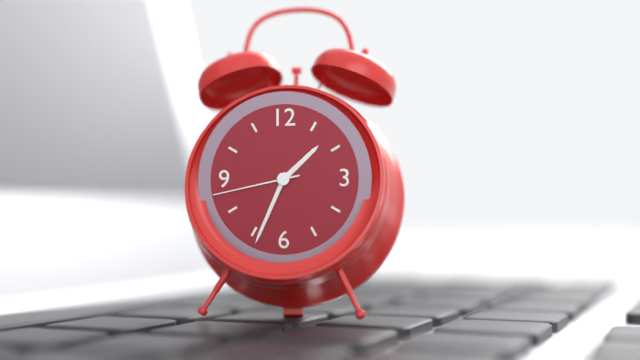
1:34:43
